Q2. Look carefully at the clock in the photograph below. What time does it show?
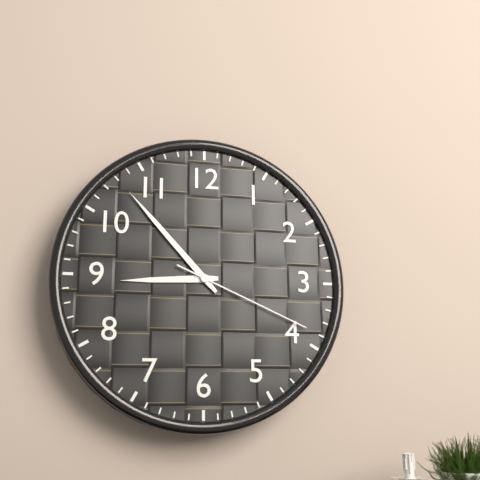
8:53:19
